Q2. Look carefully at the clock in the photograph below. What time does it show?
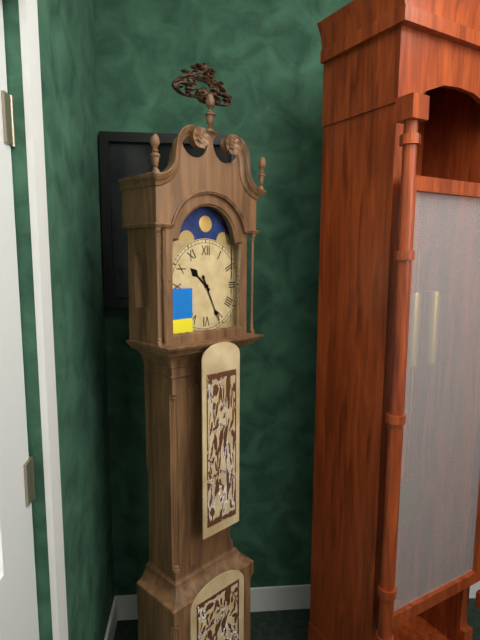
10:26
